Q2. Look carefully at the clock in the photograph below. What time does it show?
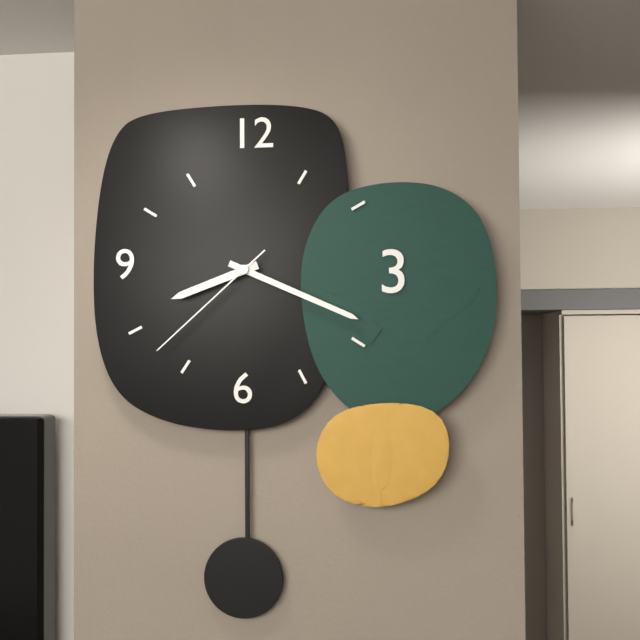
8:19:38
